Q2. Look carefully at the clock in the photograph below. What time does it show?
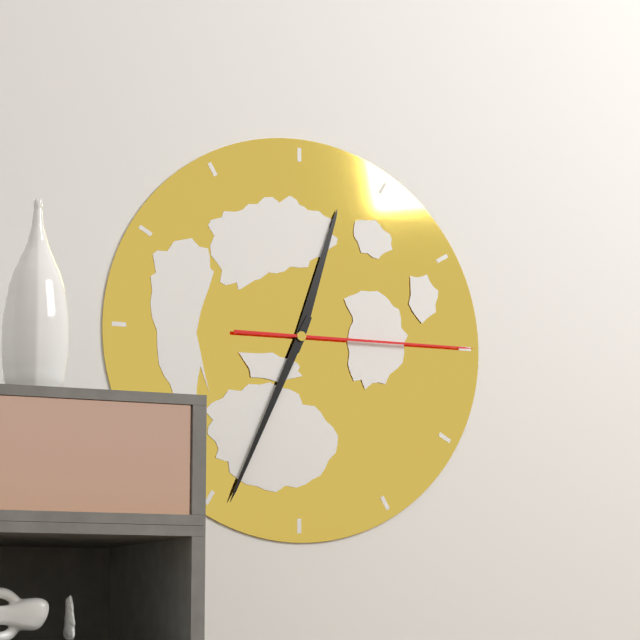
12:34:15
